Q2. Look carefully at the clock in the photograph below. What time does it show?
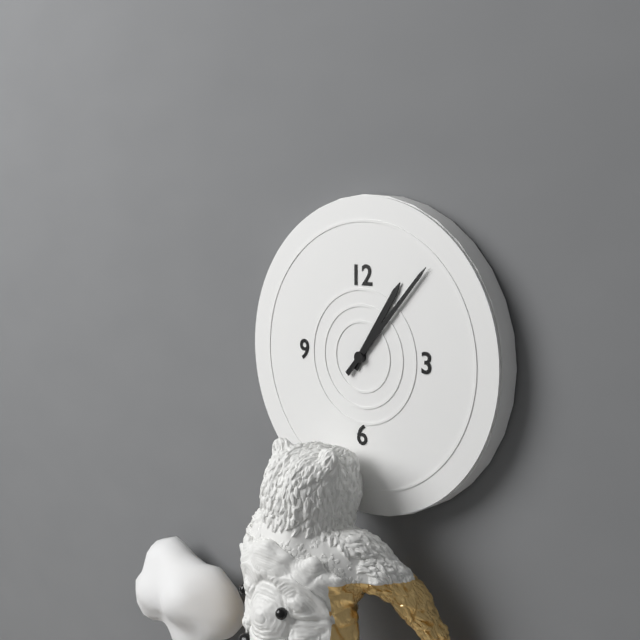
1:07
